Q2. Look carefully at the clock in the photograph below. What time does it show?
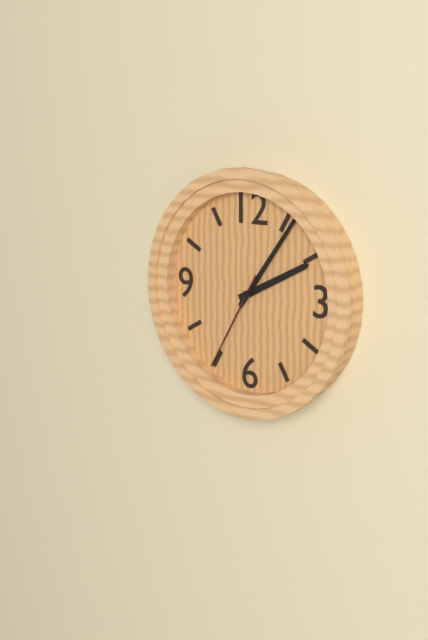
2:06:35
